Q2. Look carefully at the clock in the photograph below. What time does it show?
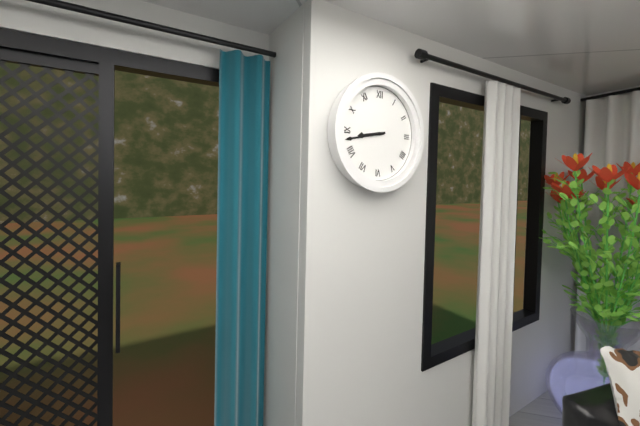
8:43
